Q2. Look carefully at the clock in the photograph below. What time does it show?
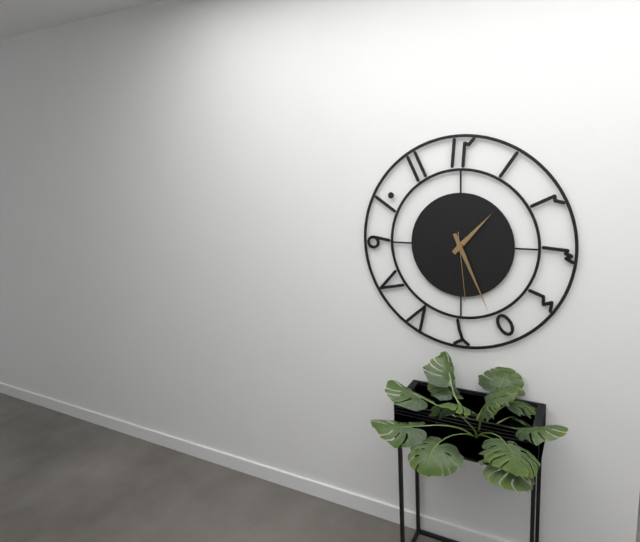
1:26:29
